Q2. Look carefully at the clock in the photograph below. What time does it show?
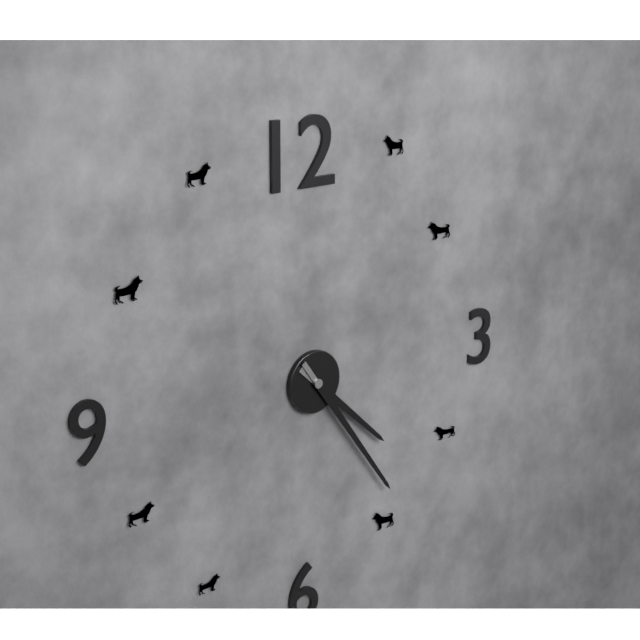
4:24
